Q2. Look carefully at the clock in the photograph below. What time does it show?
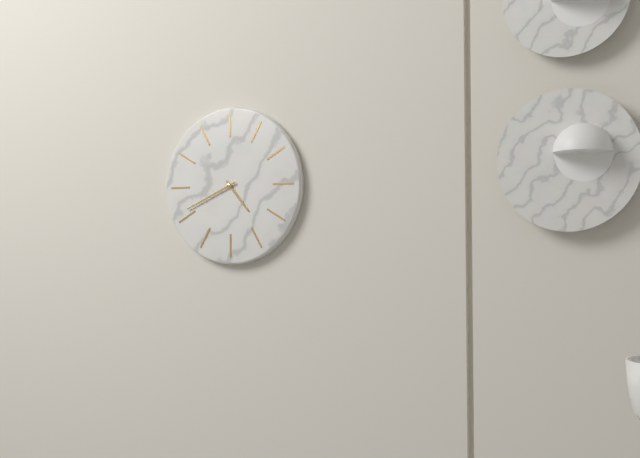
4:41
